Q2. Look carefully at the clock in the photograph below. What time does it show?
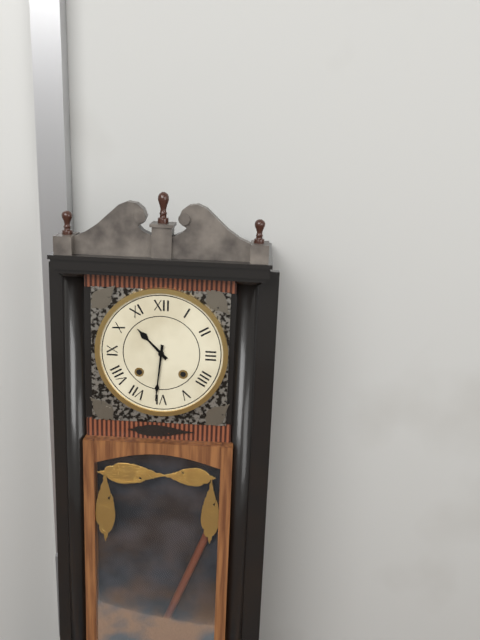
10:31
